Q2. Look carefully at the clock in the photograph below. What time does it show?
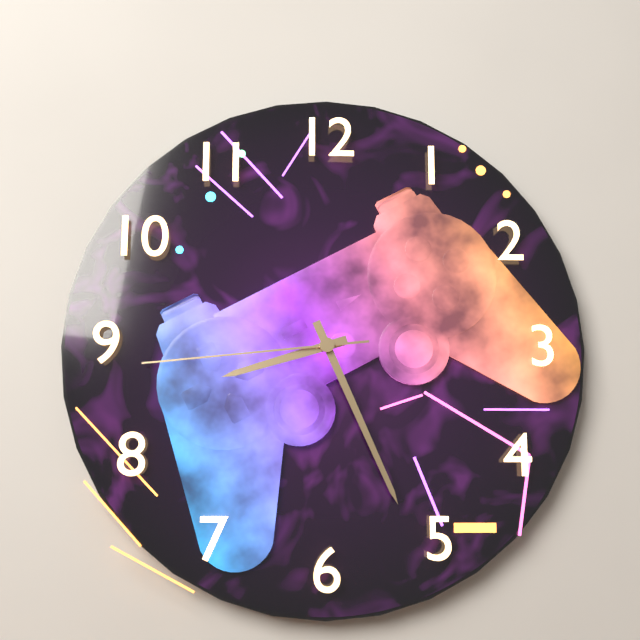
8:26:44
